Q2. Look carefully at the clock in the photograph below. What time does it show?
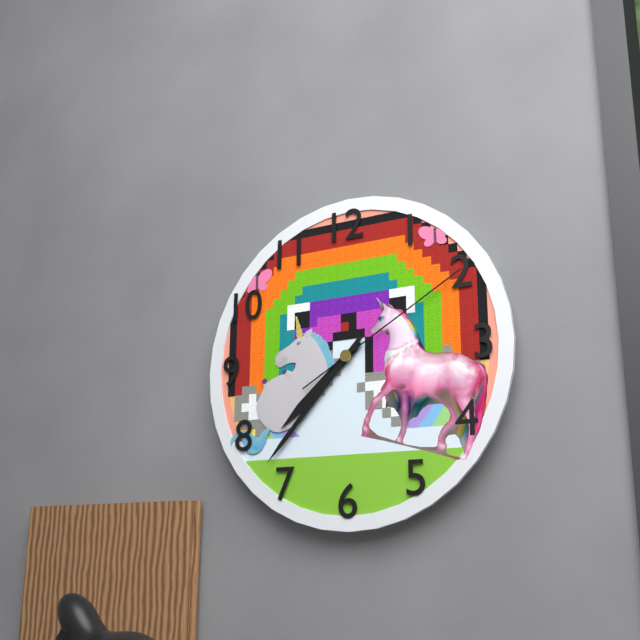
7:37:10
